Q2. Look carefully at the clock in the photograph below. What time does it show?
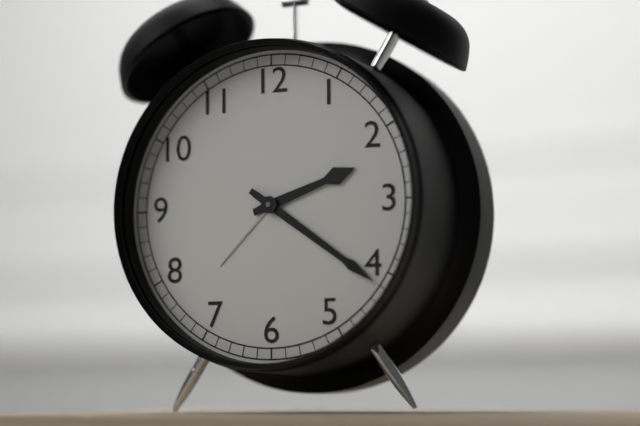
2:21
